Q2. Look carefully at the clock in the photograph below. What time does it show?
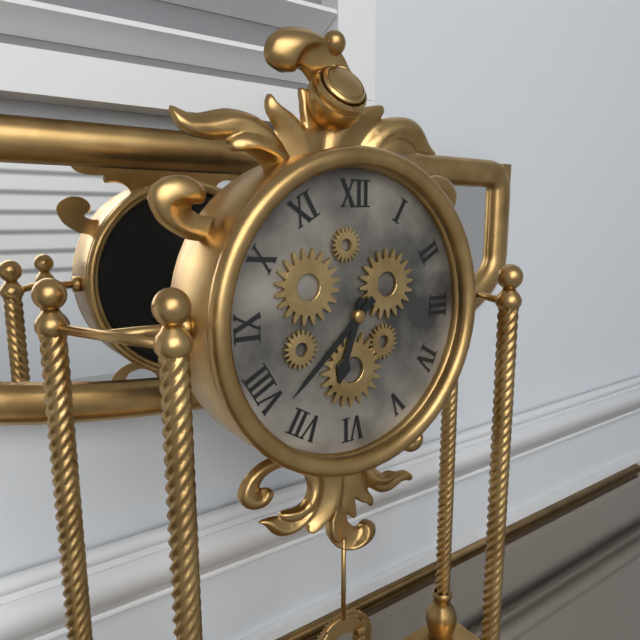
6:38
